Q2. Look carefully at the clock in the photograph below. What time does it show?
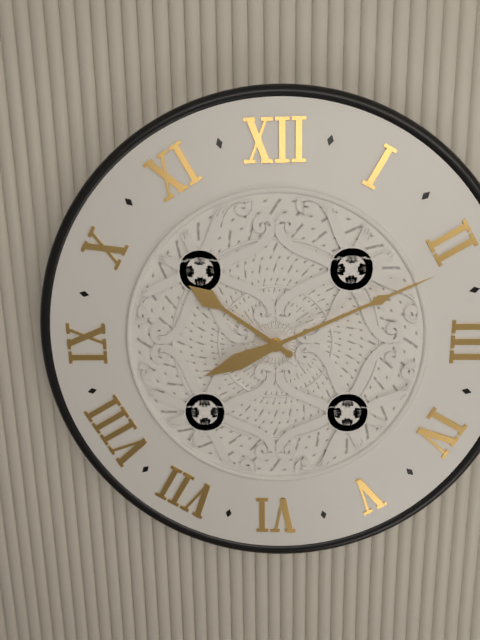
10:11
